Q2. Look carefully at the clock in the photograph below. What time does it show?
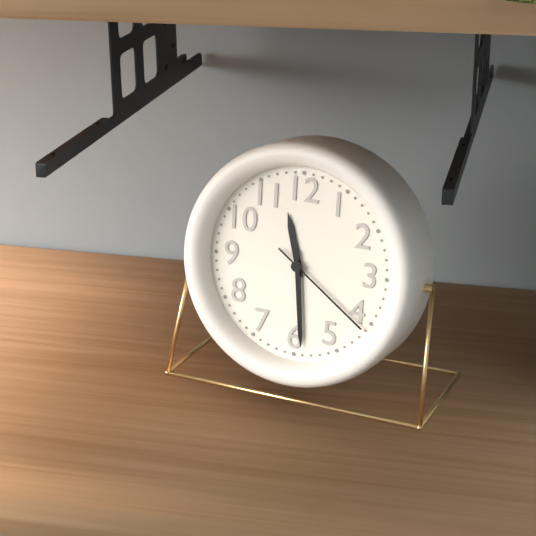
11:29:21
